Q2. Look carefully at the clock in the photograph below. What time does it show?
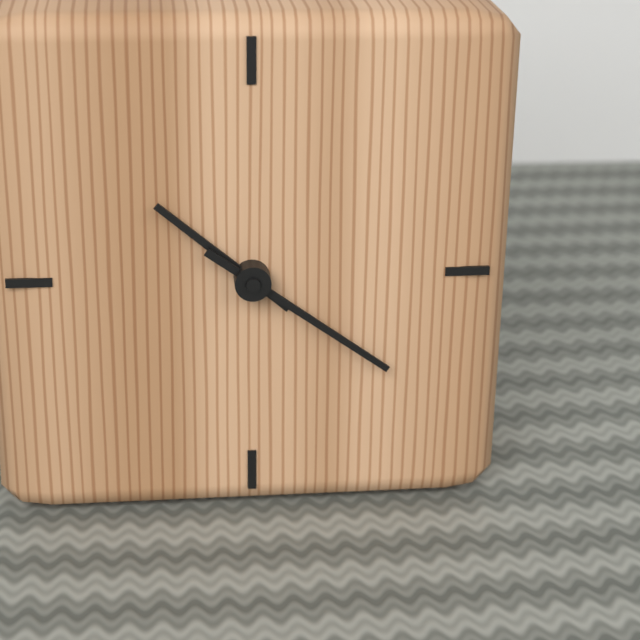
10:21
